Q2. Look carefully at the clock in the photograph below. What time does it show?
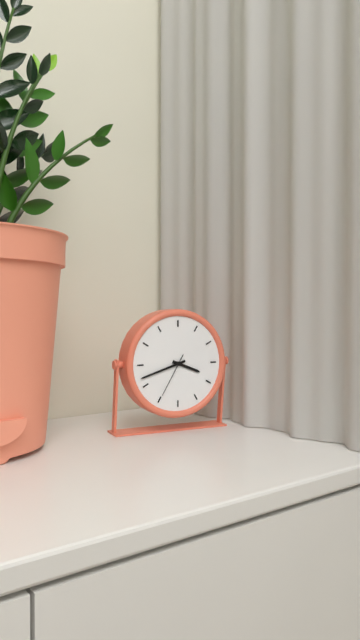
3:42
